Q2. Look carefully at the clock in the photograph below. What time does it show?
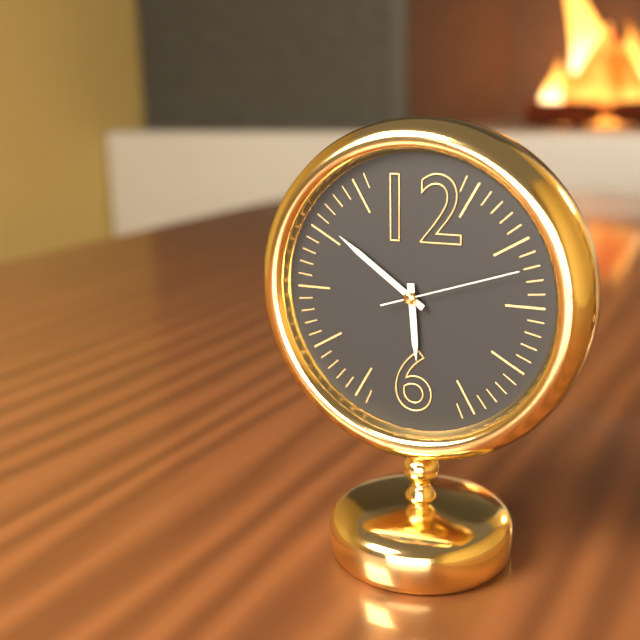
5:51:12
